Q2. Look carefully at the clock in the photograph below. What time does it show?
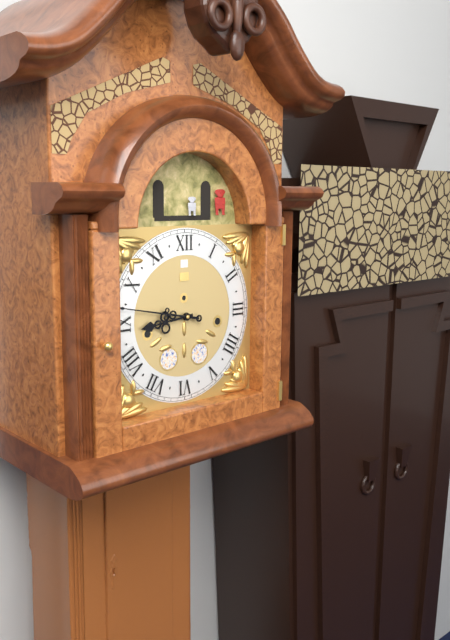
8:47
